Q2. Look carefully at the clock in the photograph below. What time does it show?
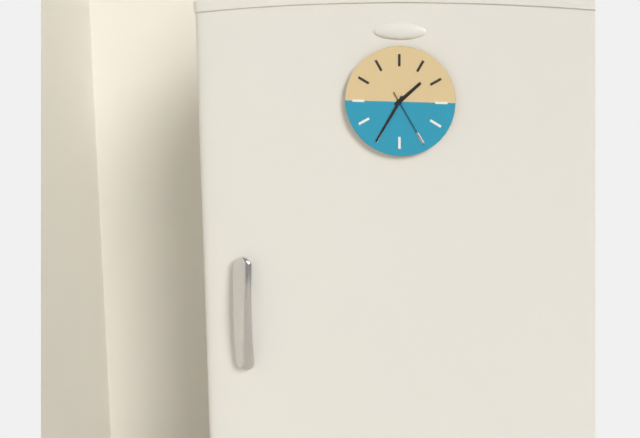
1:35:25
